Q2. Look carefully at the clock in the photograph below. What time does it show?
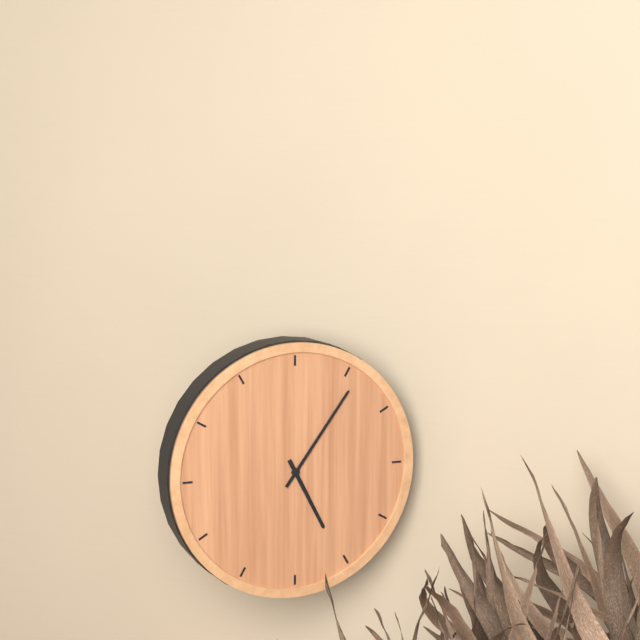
5:06
